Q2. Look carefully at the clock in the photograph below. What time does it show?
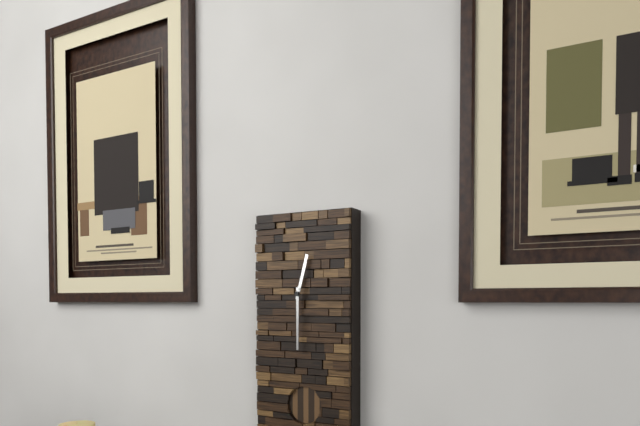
12:30
